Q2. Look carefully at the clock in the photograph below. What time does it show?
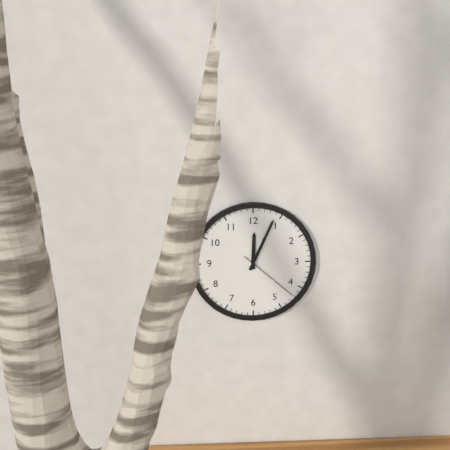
12:04:22
